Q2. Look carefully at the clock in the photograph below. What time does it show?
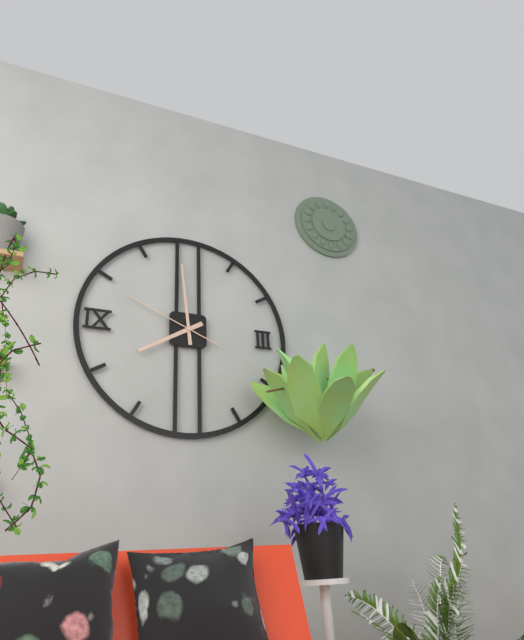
7:59:49
